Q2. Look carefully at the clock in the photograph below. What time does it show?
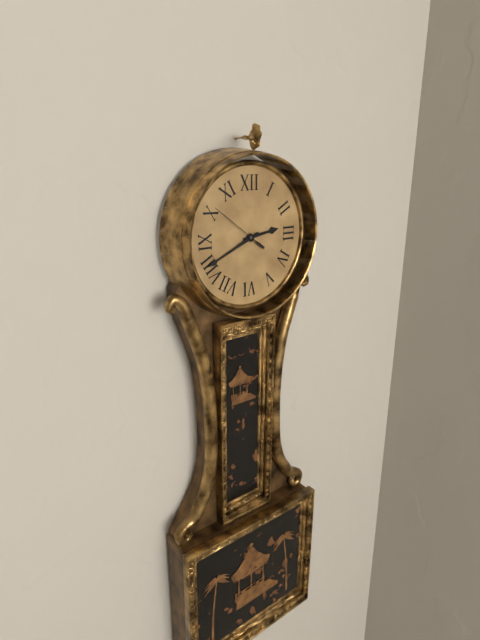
2:41:51
